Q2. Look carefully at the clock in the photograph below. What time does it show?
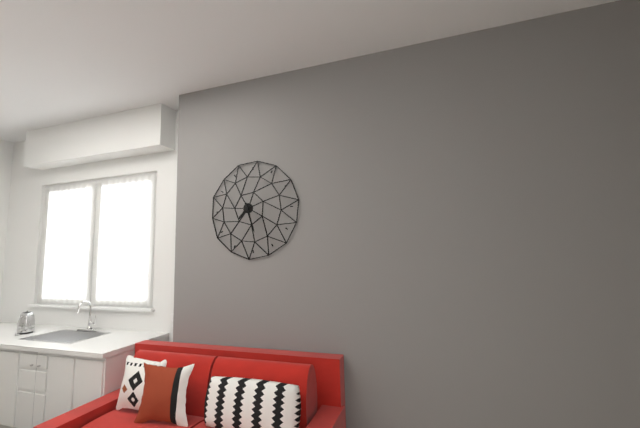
7:27
